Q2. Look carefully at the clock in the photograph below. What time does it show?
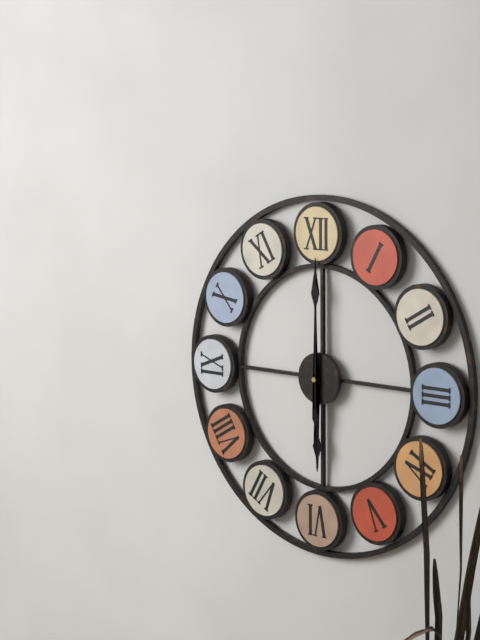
6:00
